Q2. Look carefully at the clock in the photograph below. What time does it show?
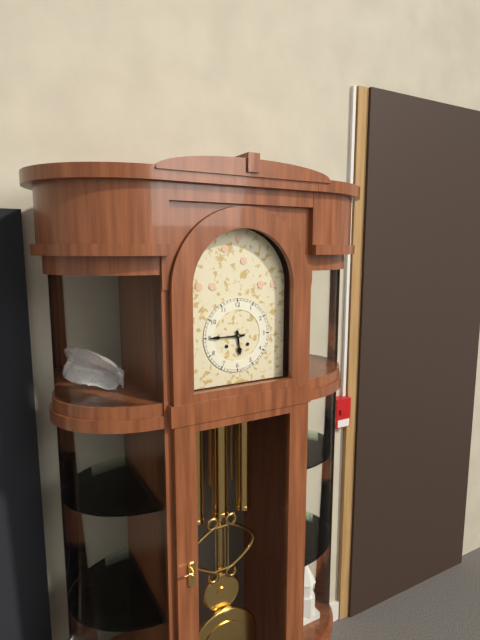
5:45
